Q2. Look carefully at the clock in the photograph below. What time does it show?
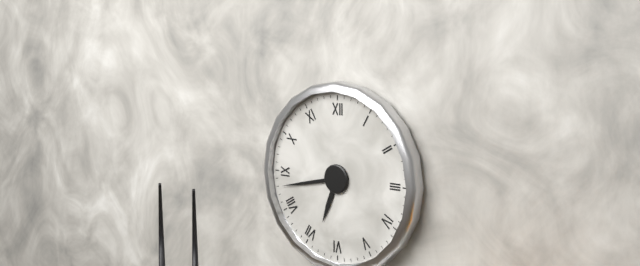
6:43
